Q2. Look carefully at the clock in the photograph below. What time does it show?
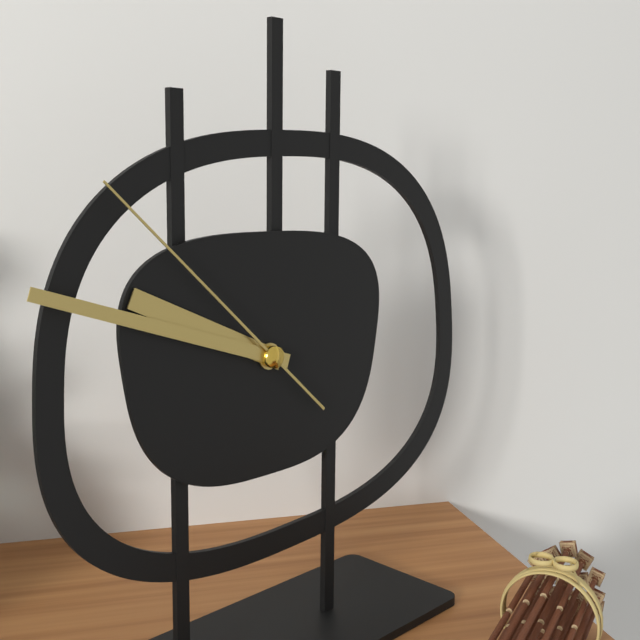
9:48:52
